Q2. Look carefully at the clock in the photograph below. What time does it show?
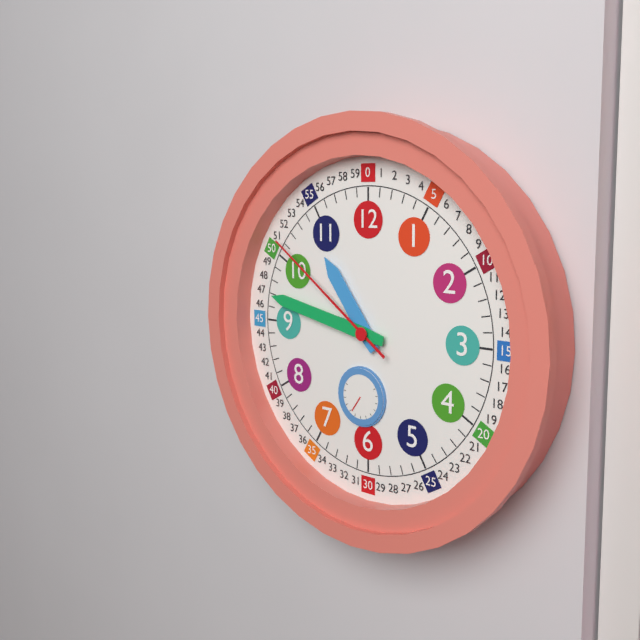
10:47:51
